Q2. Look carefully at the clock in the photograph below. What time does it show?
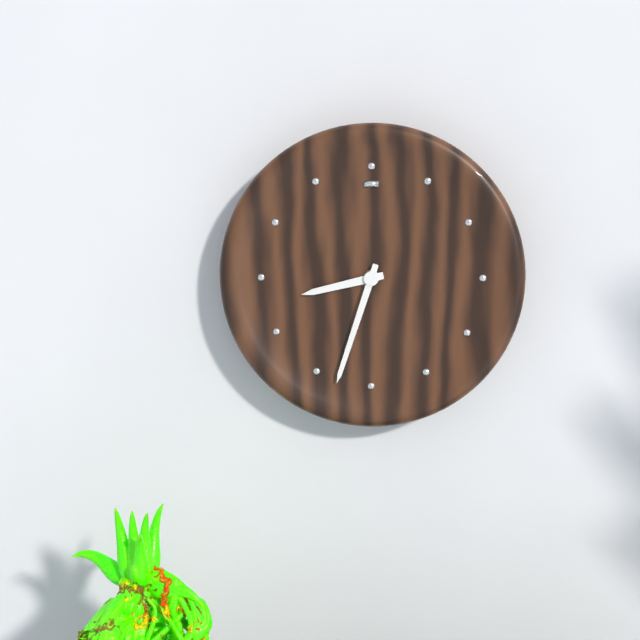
8:33
